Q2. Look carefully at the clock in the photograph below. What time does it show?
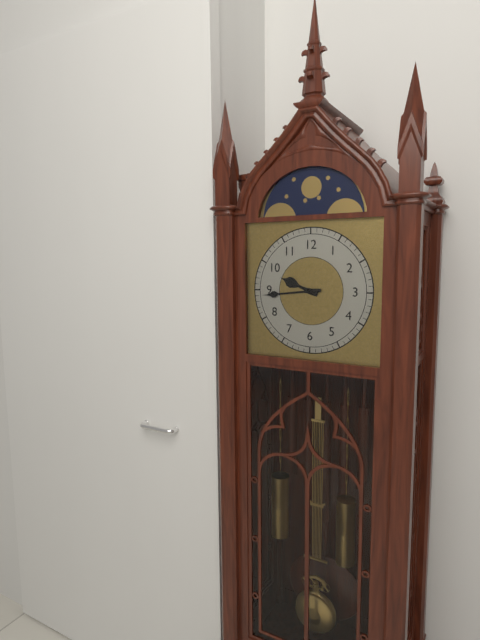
9:44
